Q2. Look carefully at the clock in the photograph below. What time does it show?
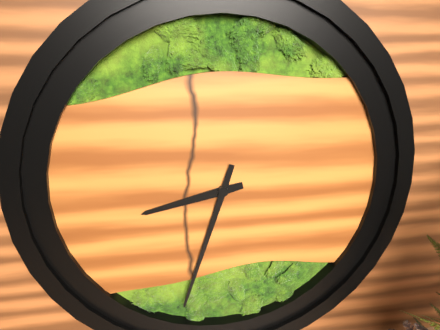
8:33
